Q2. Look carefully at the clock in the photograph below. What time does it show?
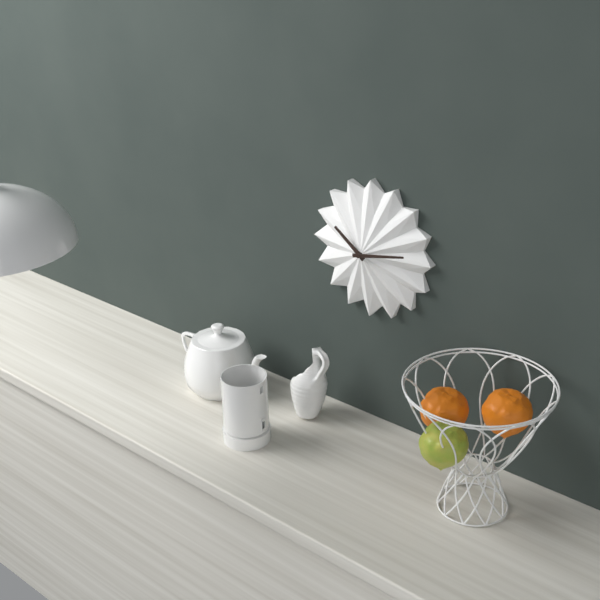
10:13
